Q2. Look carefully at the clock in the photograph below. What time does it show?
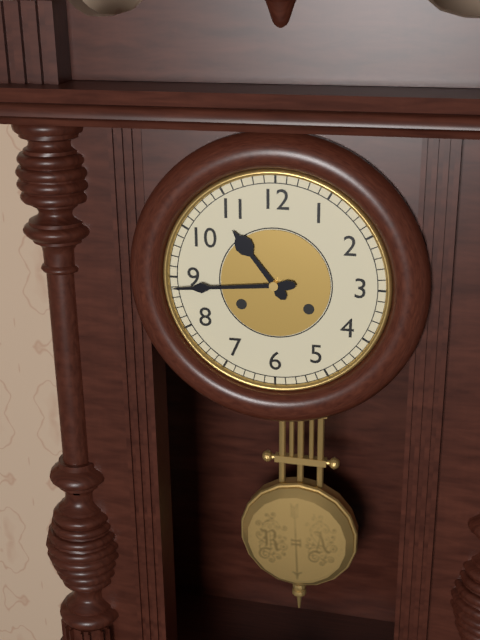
10:44
